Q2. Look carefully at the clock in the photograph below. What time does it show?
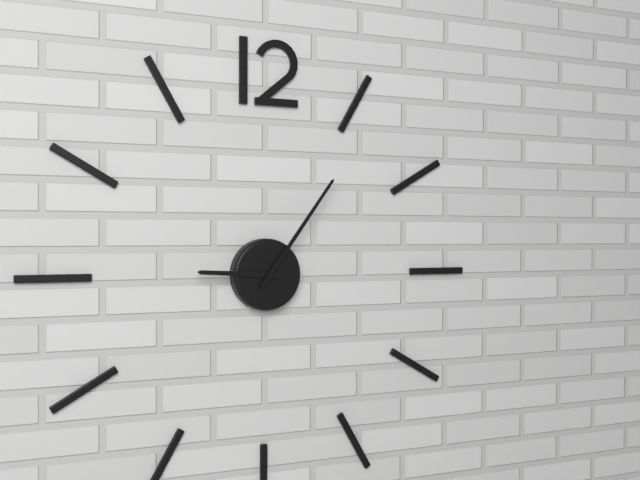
9:06
